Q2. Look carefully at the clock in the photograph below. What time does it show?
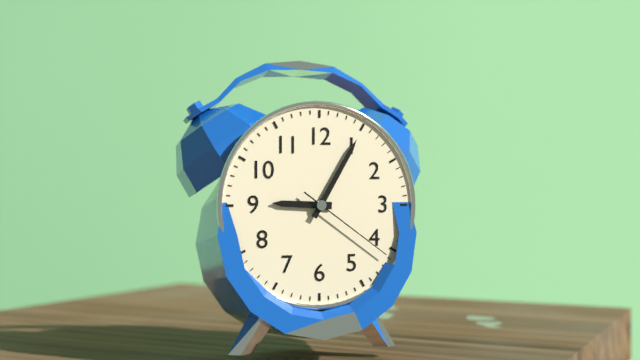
9:05:21
